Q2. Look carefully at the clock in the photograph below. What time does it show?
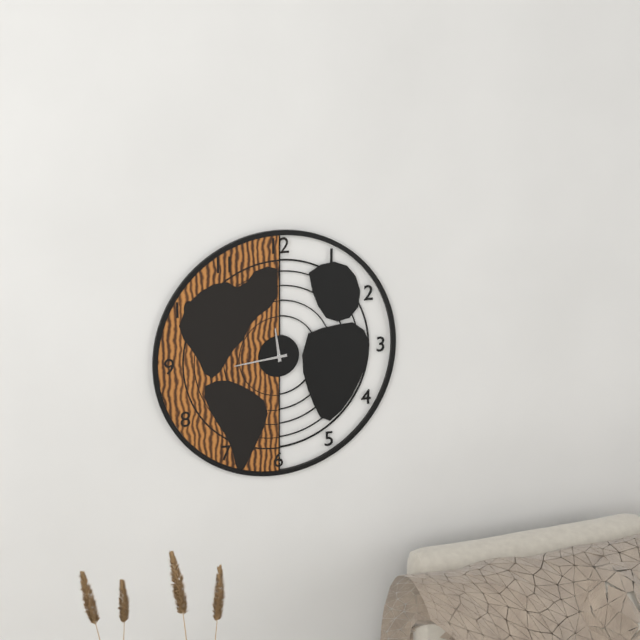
11:44
